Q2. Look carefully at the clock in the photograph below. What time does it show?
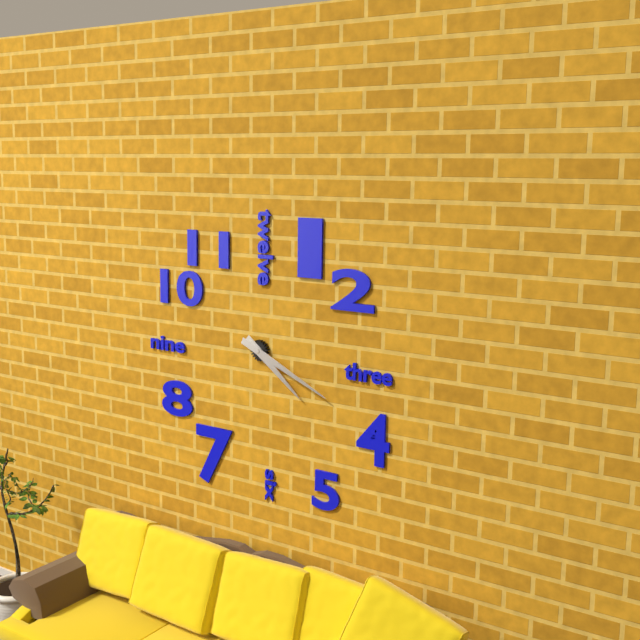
4:19
